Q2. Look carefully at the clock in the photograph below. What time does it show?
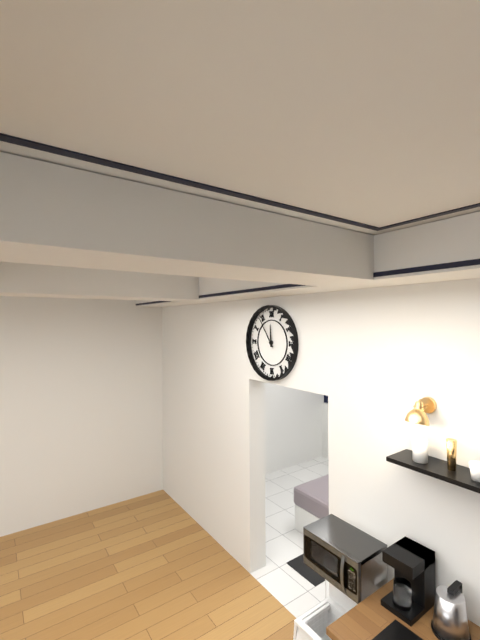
11:54
